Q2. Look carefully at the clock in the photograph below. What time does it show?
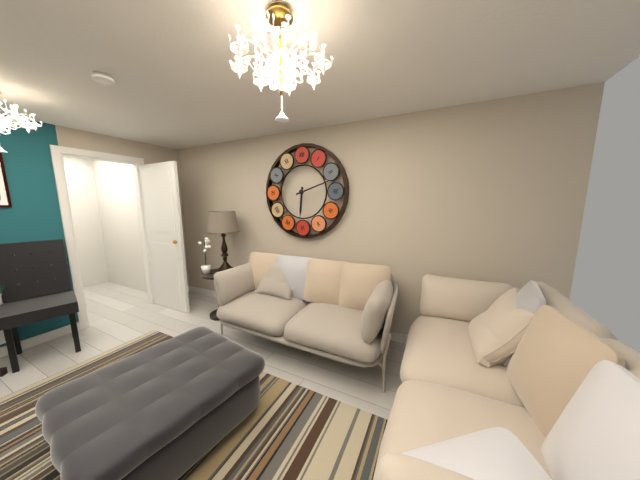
6:12
